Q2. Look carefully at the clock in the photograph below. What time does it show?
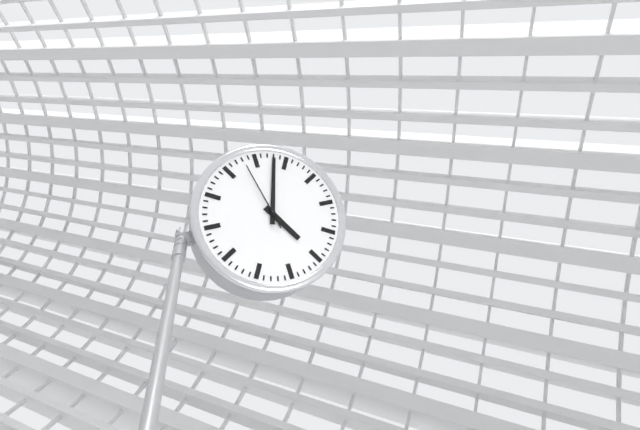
3:58:53
